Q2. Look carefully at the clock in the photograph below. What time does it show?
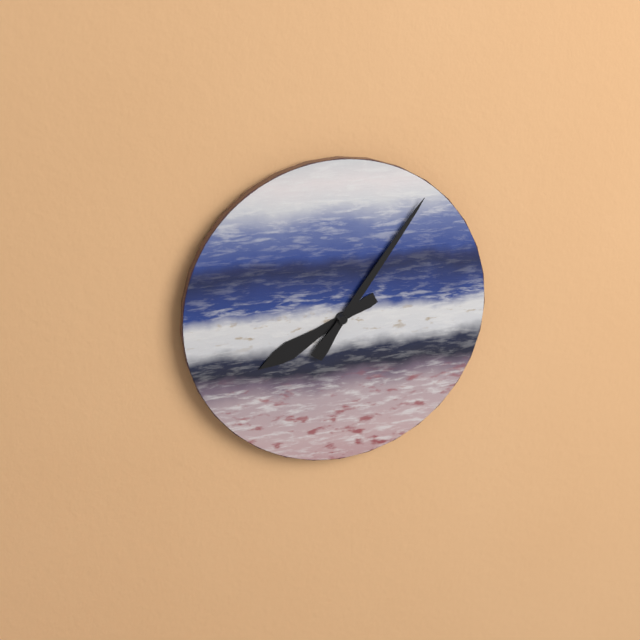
8:06
